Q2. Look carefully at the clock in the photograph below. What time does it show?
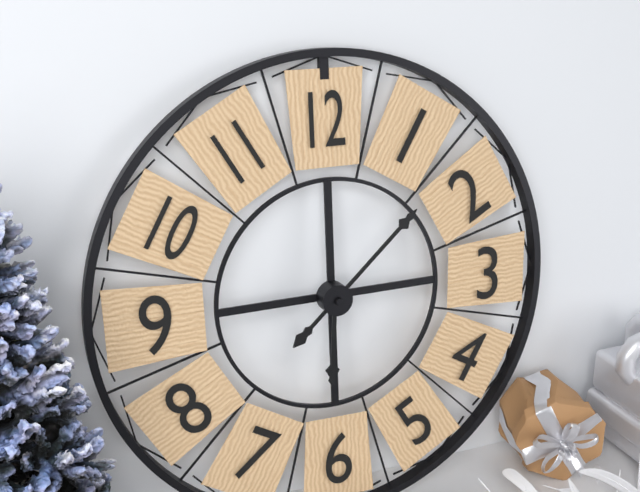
6:08
